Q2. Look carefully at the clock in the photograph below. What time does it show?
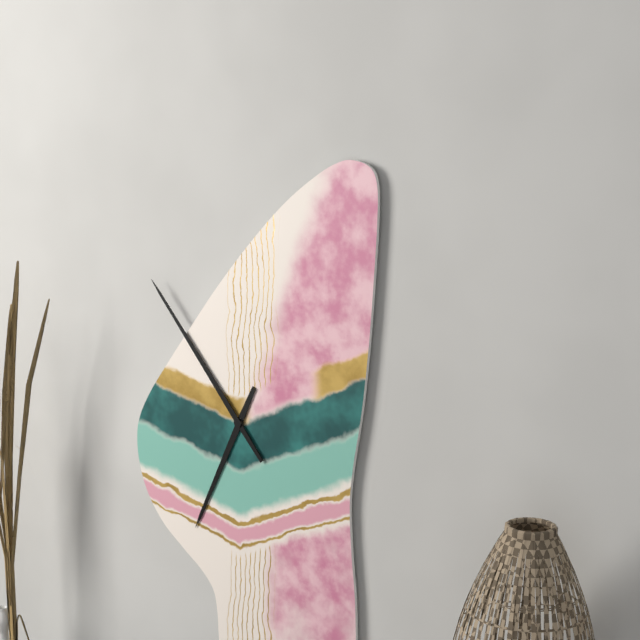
6:53
